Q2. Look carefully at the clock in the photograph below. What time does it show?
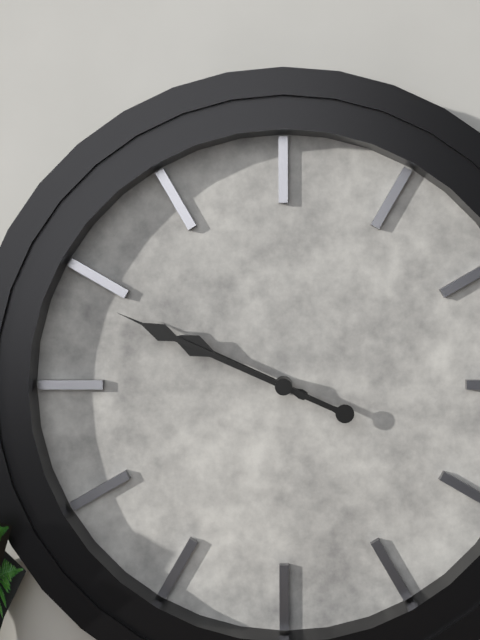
9:49
